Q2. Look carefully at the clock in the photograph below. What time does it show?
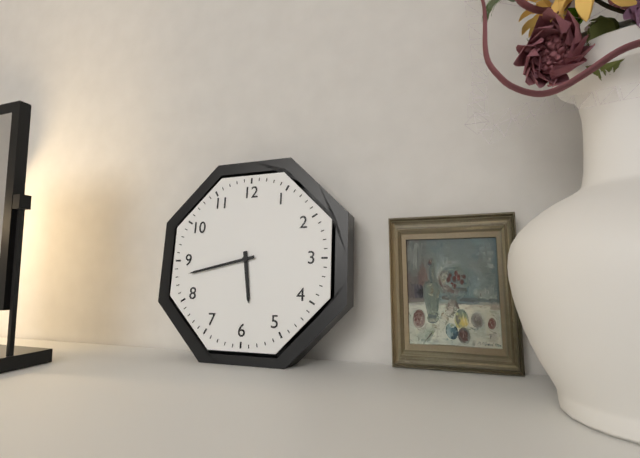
5:43
